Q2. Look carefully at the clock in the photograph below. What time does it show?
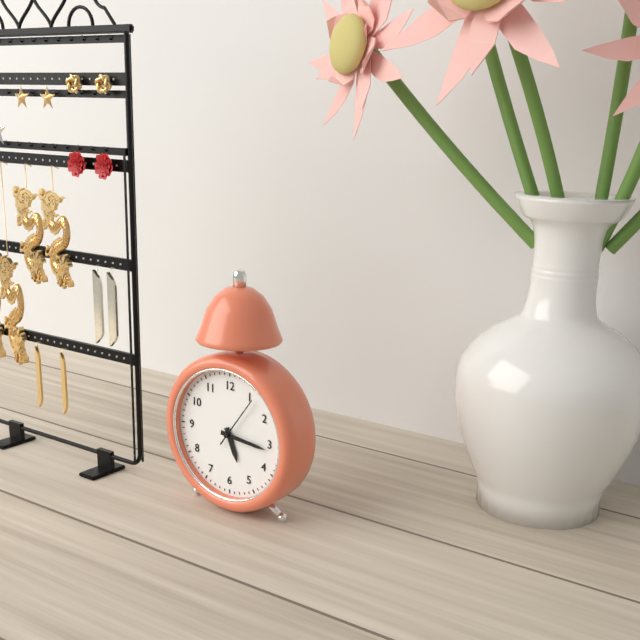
5:16:06
